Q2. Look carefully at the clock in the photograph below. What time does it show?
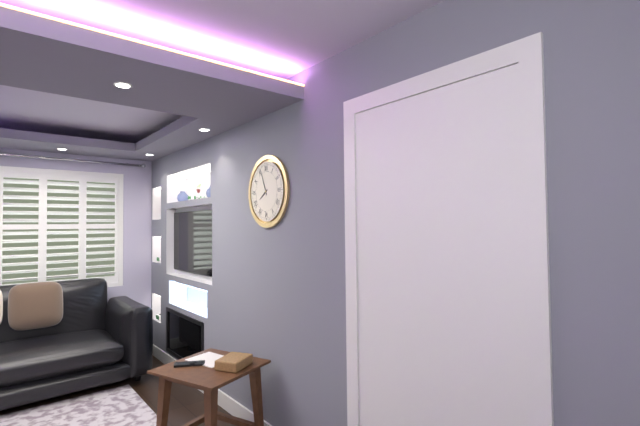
7:56
